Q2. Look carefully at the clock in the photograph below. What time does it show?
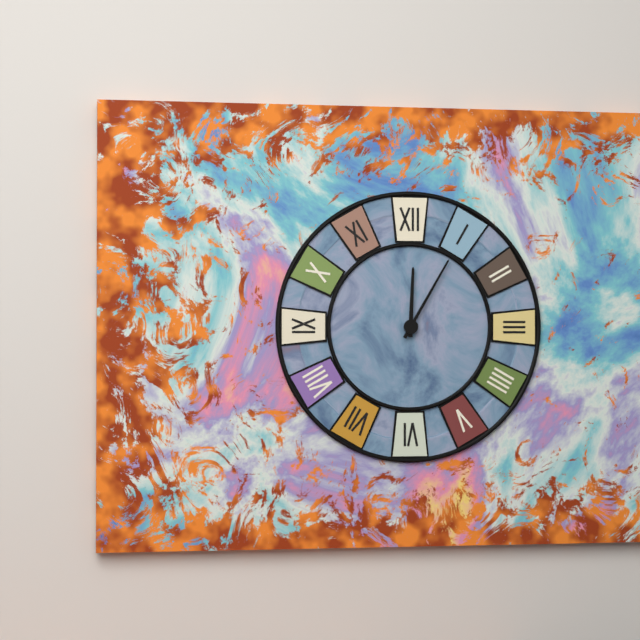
12:05
